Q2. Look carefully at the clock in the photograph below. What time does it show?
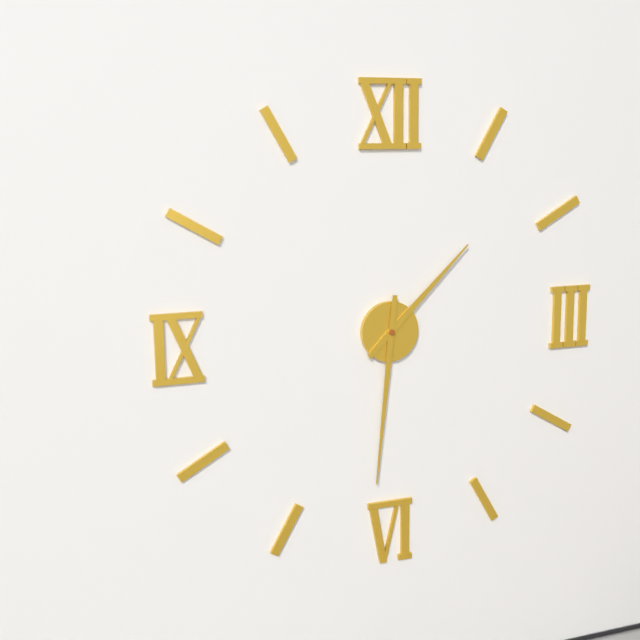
1:31
